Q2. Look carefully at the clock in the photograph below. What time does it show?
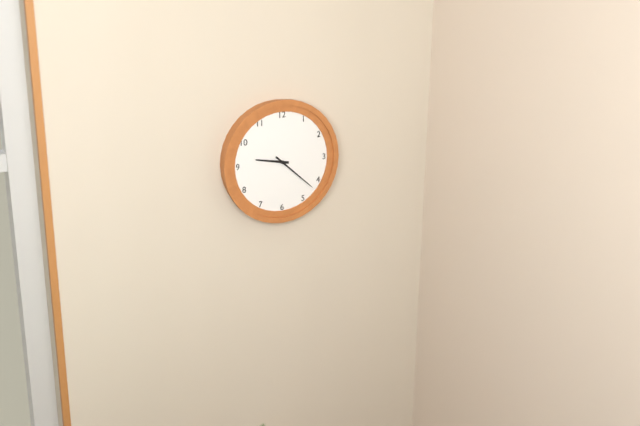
9:22
